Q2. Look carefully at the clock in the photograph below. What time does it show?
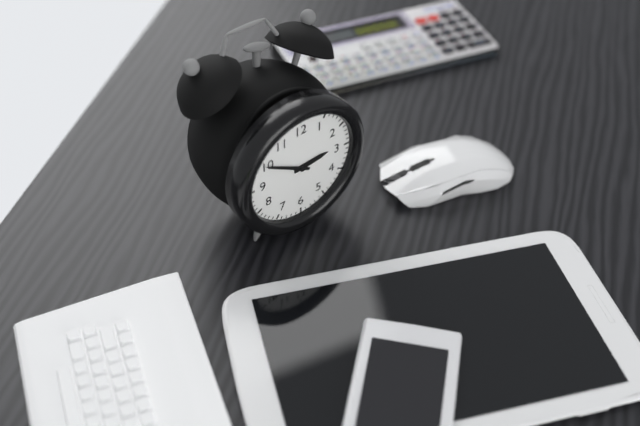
2:50
